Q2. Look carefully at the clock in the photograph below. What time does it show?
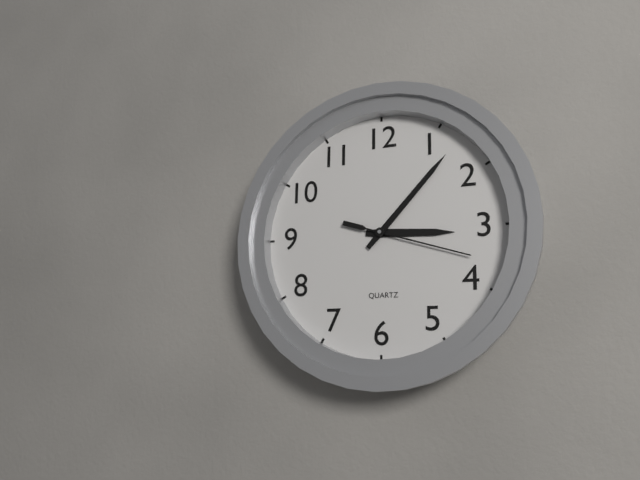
3:07:18
